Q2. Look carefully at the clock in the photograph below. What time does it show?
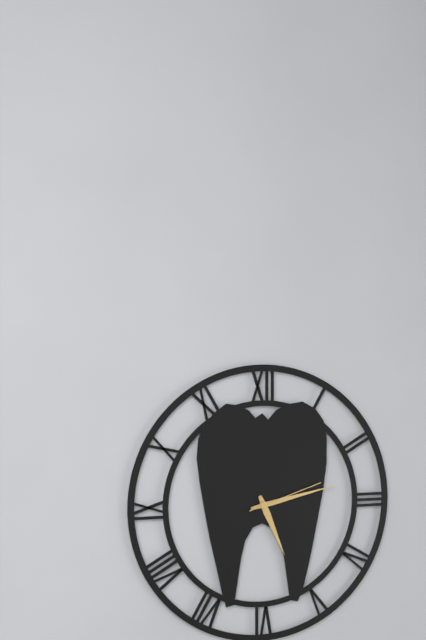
5:13:12
